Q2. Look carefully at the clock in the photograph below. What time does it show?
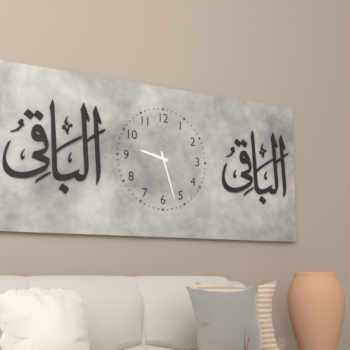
9:27
